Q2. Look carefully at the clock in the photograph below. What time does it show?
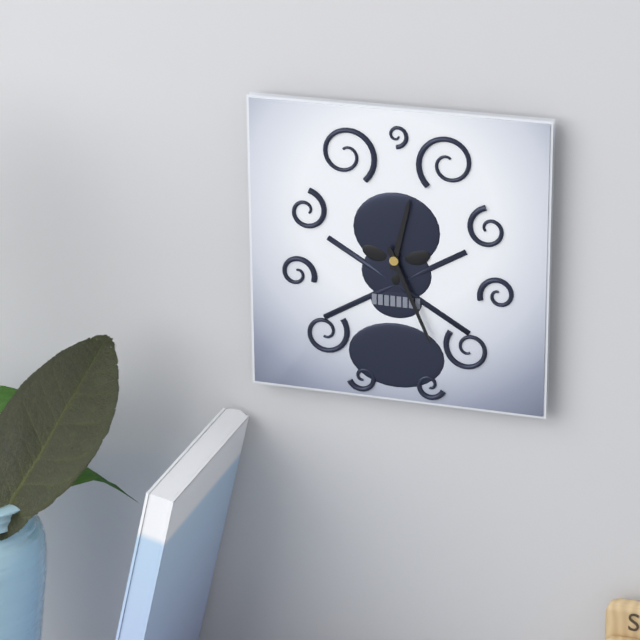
12:26
